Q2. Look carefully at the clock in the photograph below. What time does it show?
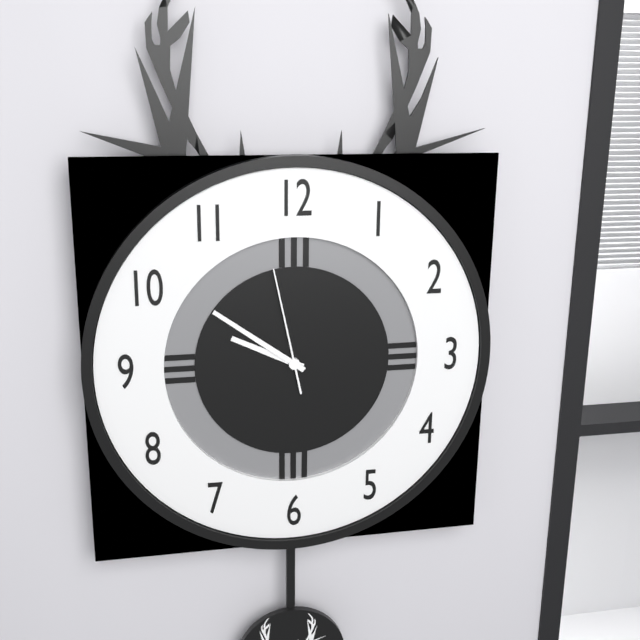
9:51:58
